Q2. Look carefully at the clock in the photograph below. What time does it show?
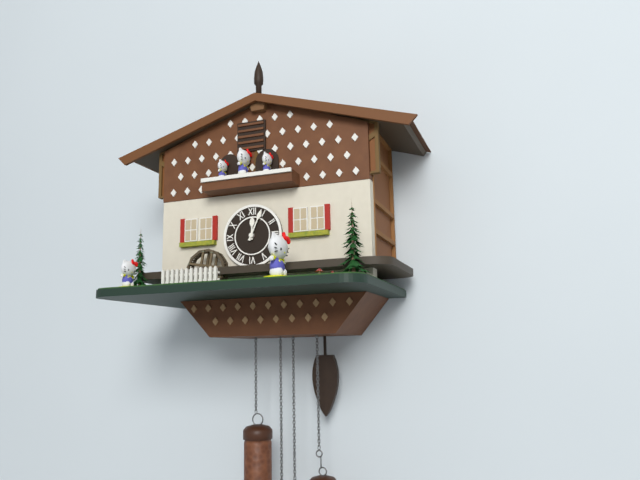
12:04
